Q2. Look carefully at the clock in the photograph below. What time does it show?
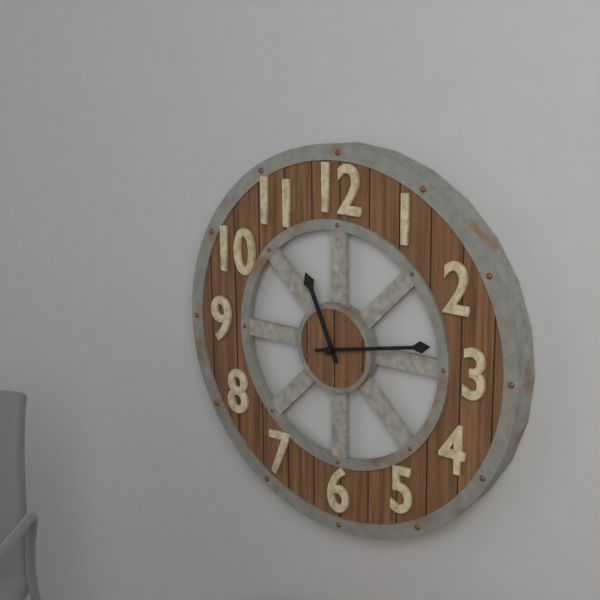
11:13
